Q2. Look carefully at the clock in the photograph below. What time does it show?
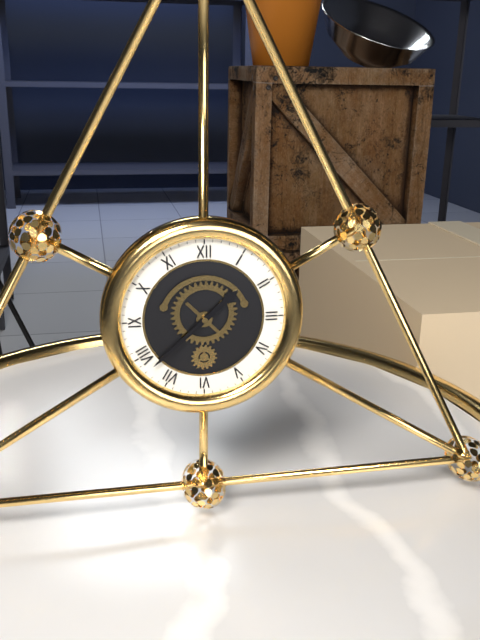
1:38
